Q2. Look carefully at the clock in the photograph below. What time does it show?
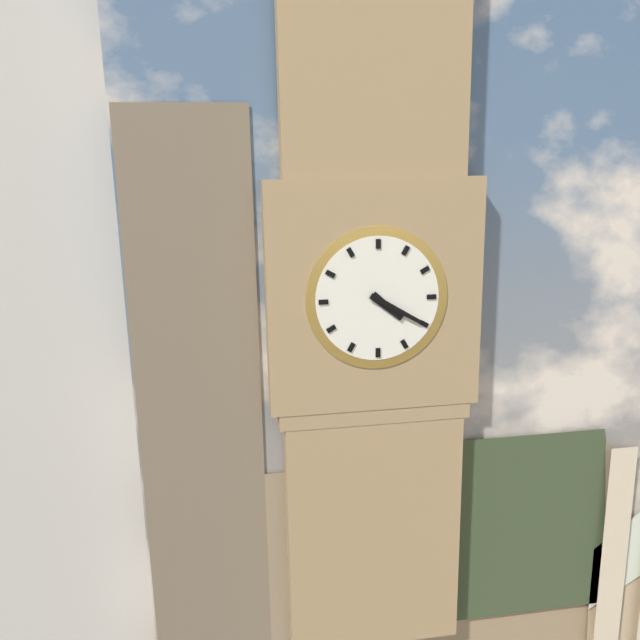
4:20
